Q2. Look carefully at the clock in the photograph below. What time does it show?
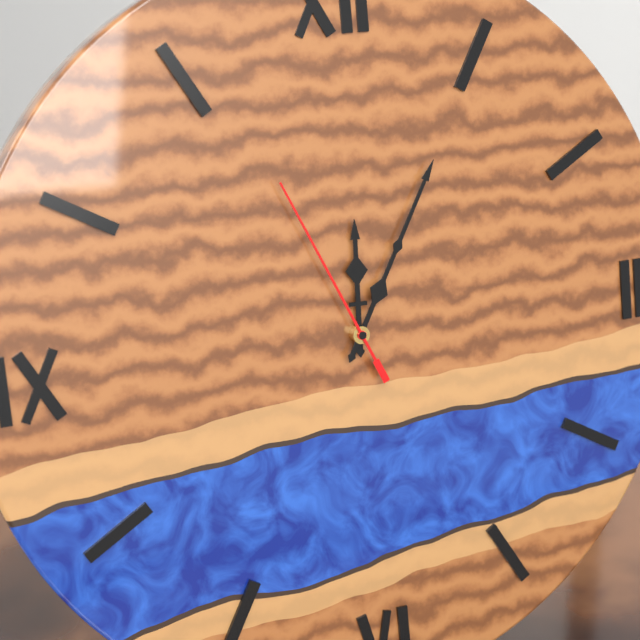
12:05:56
